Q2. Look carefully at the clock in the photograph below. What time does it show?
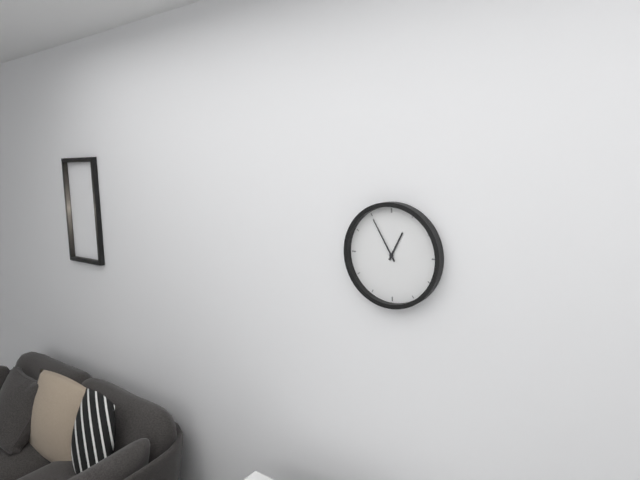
12:55
